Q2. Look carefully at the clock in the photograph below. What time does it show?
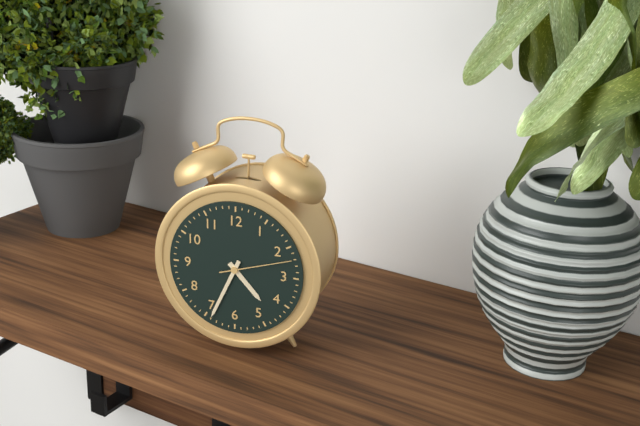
4:34:12
